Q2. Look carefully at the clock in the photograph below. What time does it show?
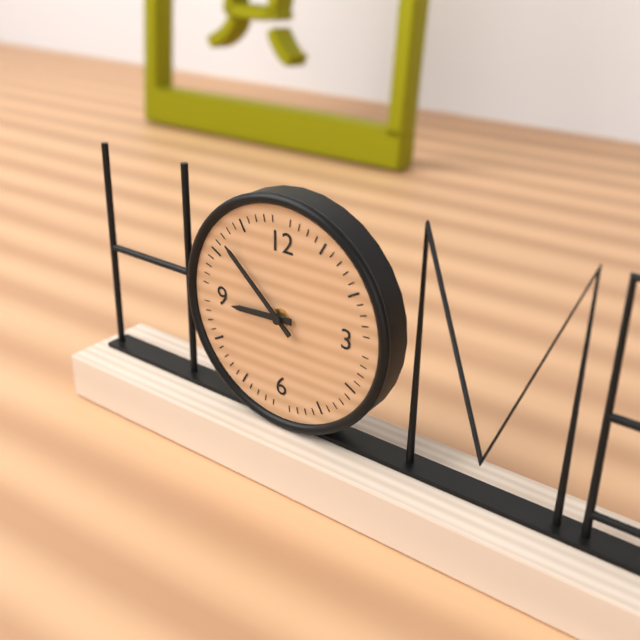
8:52
